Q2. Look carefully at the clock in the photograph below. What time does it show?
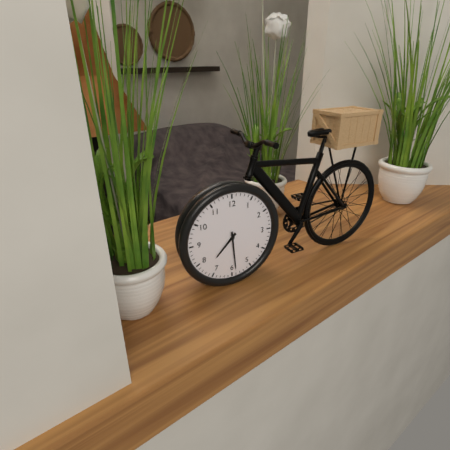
7:29
